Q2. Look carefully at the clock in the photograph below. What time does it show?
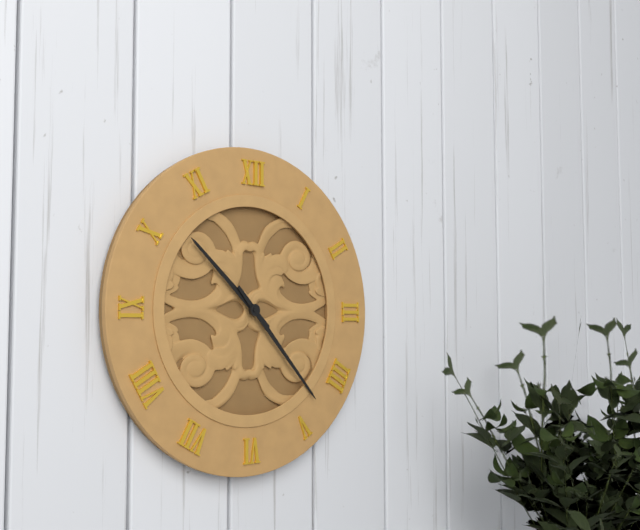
10:23
